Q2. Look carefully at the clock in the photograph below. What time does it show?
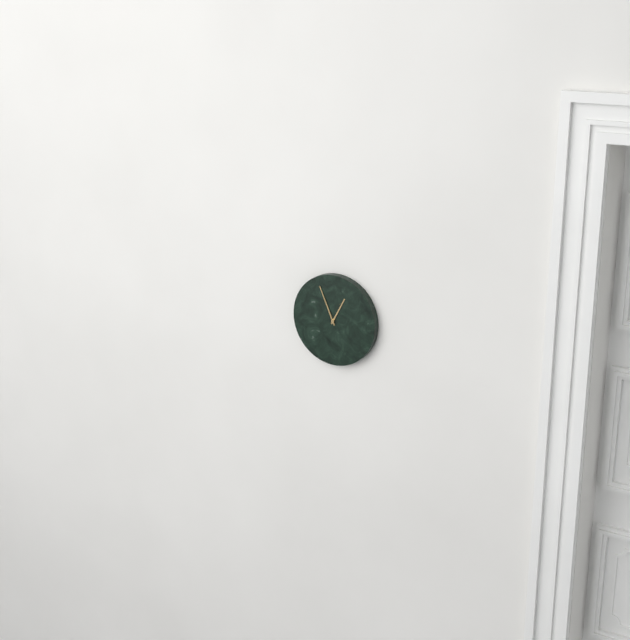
12:56
